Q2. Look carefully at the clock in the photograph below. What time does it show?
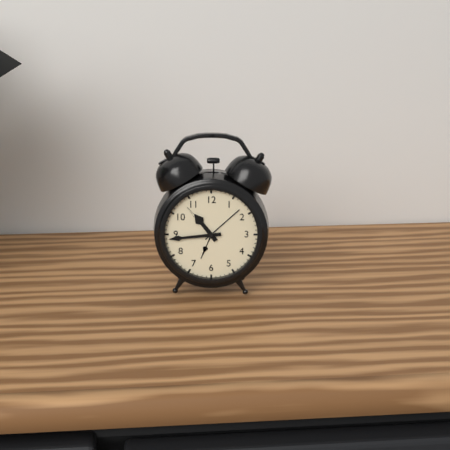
10:44
